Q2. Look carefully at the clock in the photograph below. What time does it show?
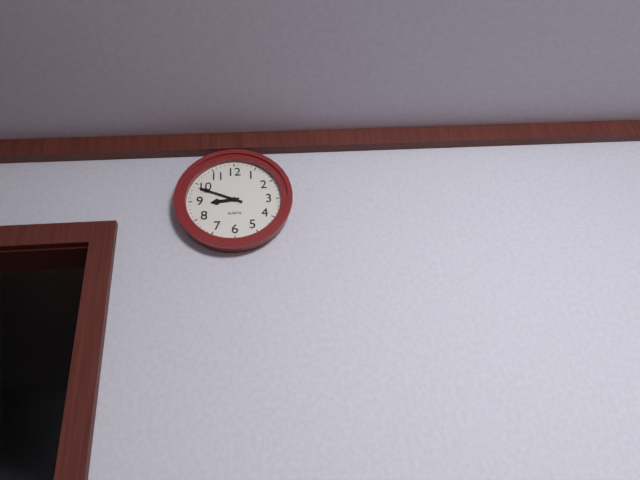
8:49
